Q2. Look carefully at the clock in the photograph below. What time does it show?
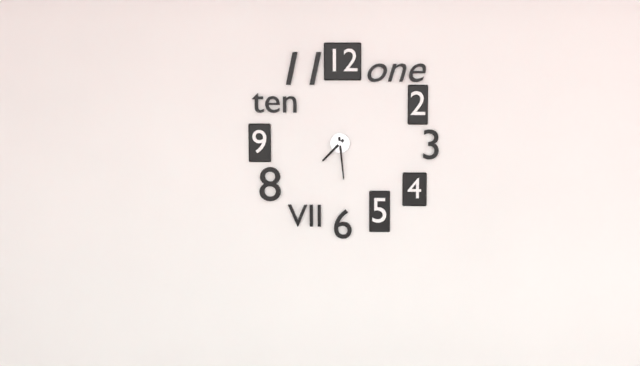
7:29
